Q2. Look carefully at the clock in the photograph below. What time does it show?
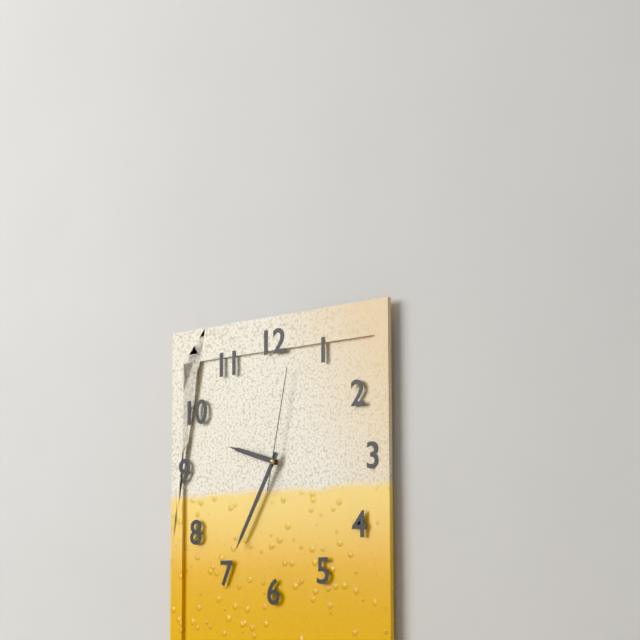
9:35:02
